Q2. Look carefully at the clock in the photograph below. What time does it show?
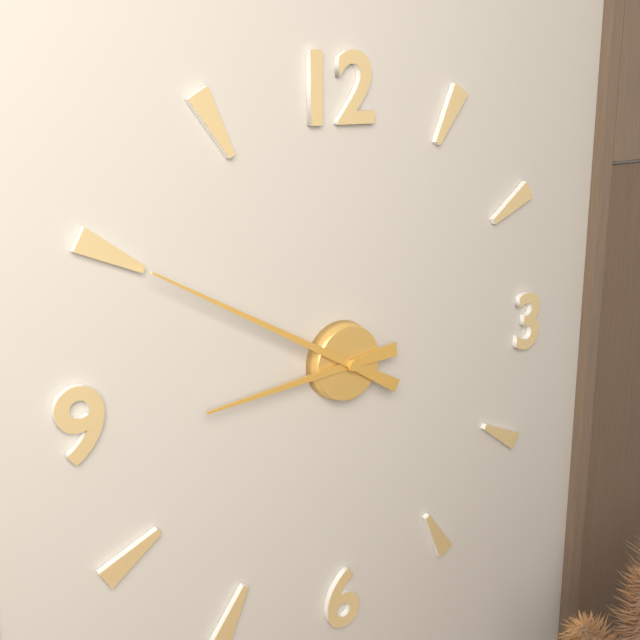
8:50
